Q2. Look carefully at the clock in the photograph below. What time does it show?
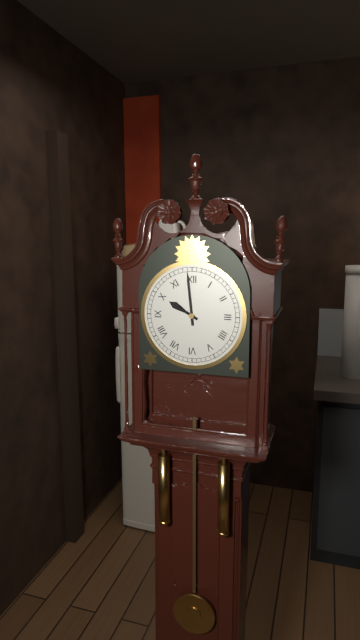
9:59
